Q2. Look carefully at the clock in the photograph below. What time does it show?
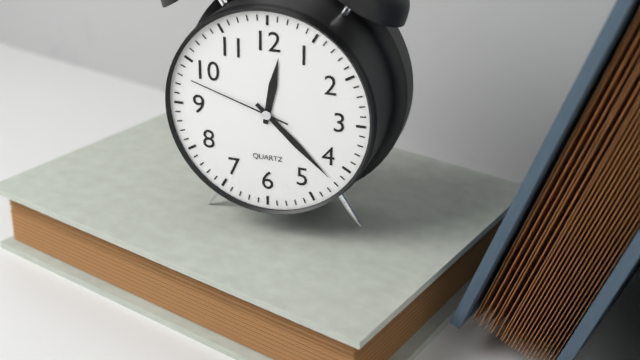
12:22:48
